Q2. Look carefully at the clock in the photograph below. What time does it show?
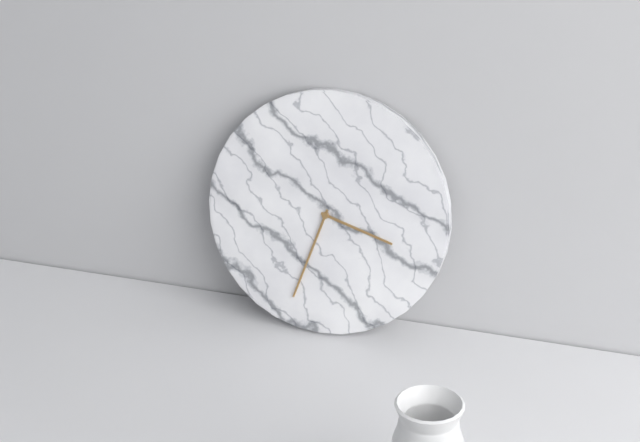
3:33
